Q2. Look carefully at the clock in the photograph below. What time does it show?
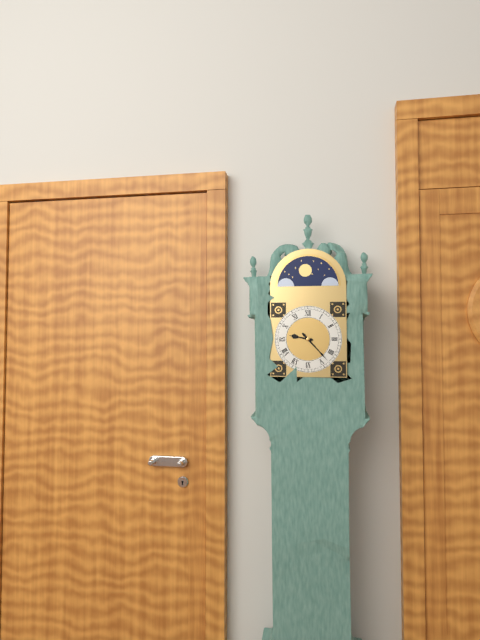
9:23
